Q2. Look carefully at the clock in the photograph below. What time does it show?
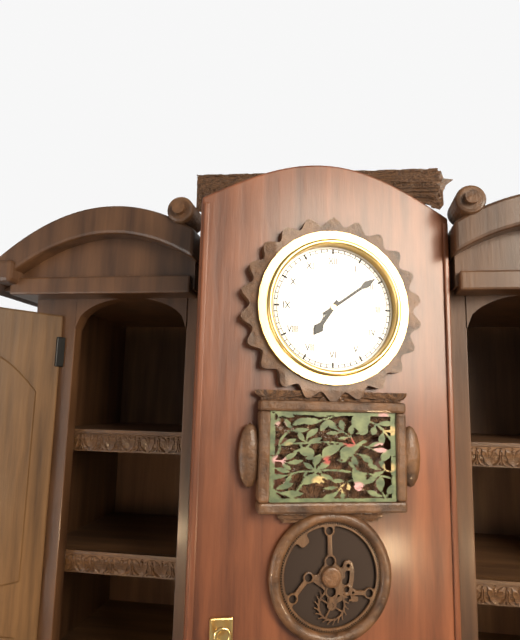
7:09
